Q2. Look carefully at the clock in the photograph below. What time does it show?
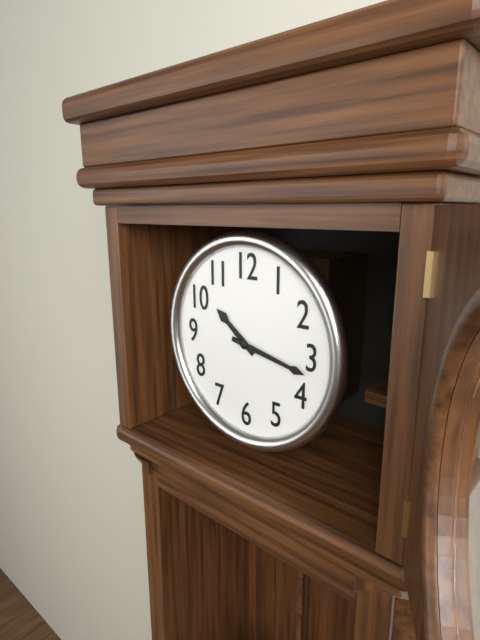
10:17
